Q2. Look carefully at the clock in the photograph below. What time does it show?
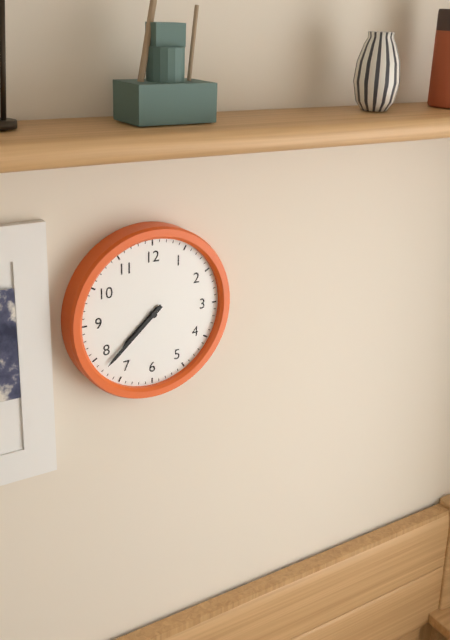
7:38
